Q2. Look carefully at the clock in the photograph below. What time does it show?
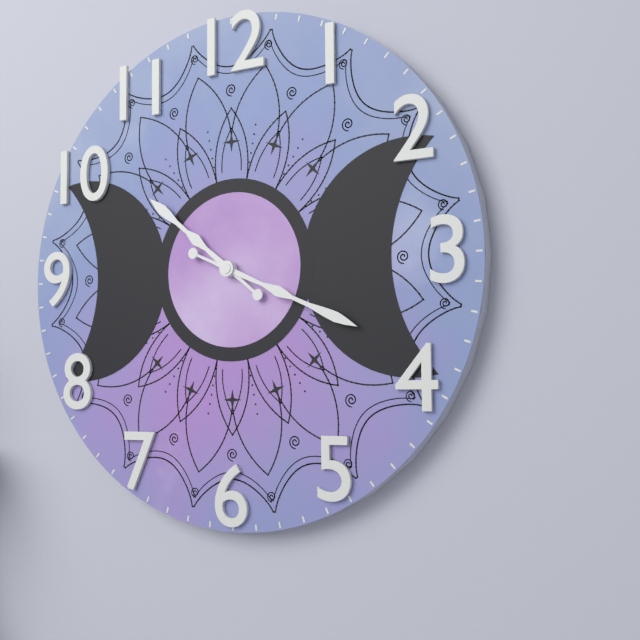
10:19
